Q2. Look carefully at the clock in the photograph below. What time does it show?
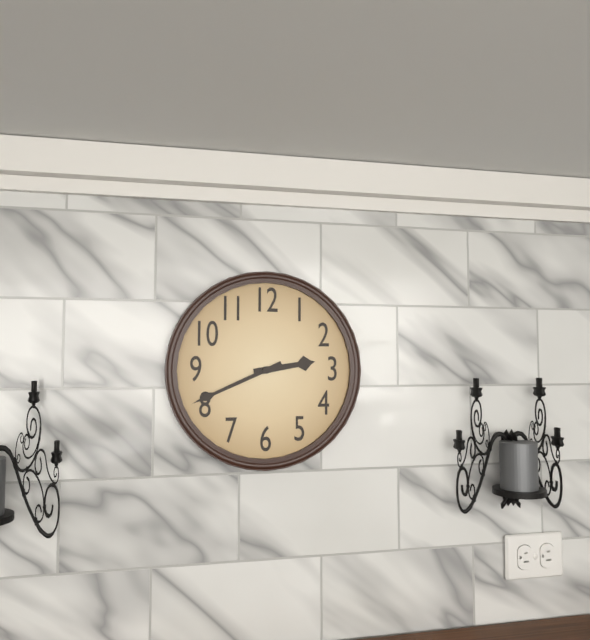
2:41
